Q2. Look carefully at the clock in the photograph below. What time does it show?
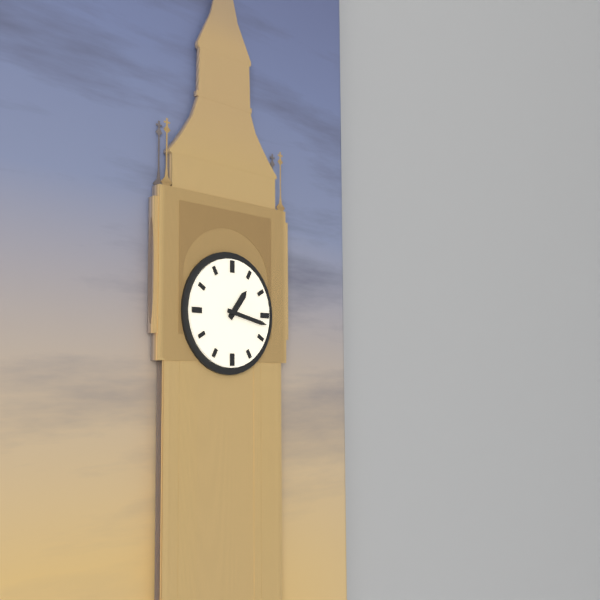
1:17
